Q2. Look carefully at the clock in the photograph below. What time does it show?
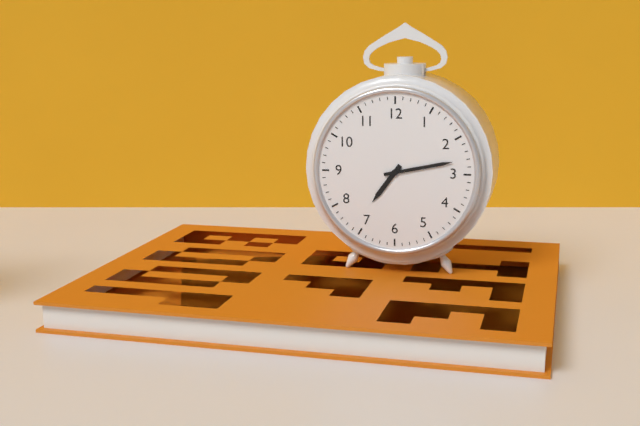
7:13
